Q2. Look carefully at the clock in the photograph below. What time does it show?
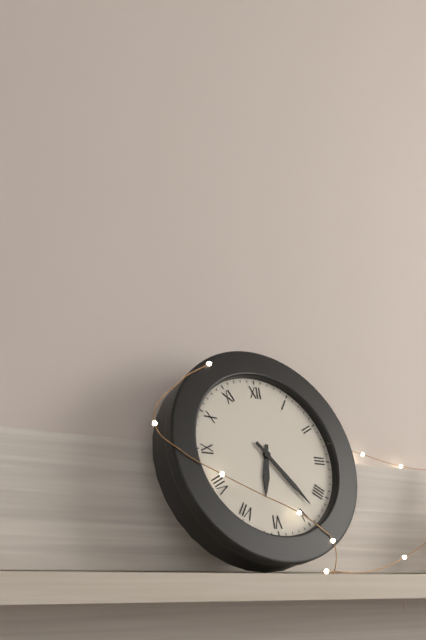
6:23
